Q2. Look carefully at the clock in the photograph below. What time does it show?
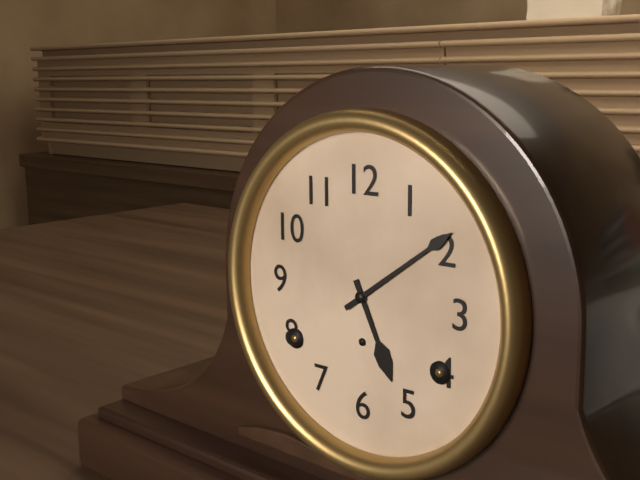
5:09
